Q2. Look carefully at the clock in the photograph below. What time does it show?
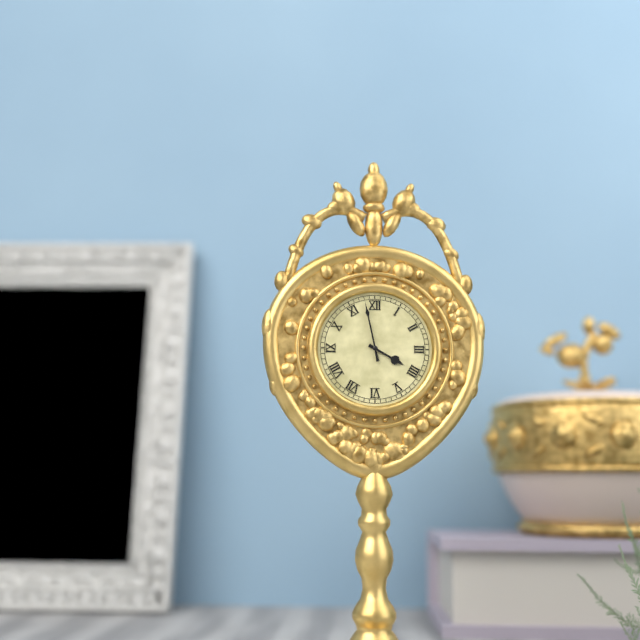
3:58
